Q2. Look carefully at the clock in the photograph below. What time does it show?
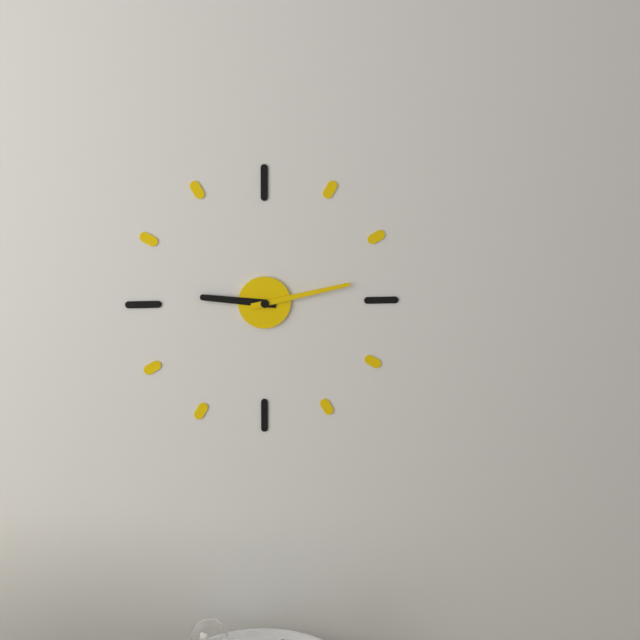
9:13
